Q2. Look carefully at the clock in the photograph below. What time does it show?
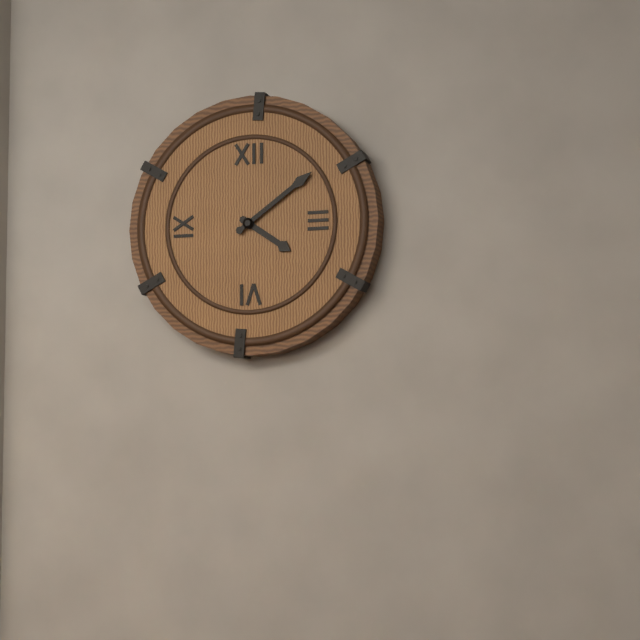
4:09
